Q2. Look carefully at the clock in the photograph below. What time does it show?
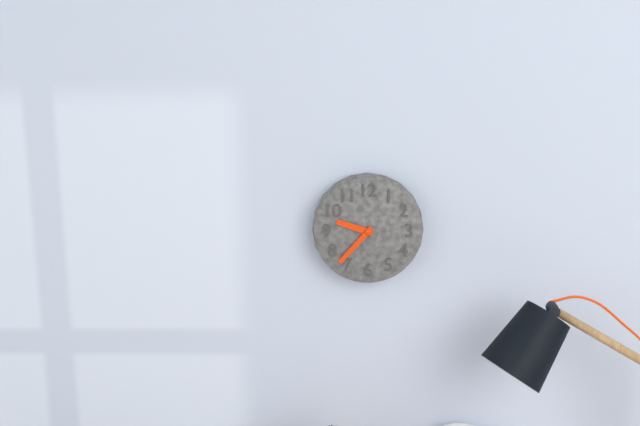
9:37
